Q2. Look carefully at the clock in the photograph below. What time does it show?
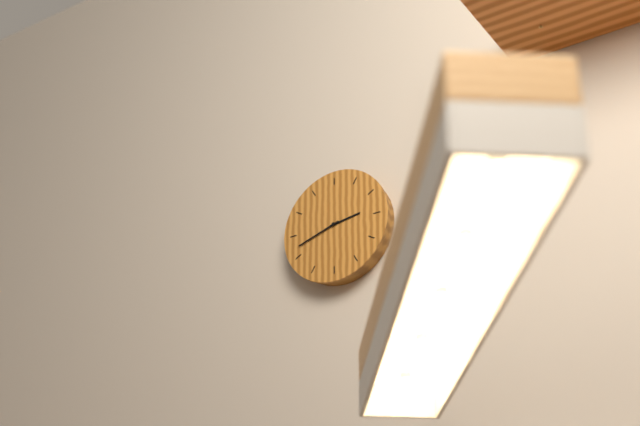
2:42
